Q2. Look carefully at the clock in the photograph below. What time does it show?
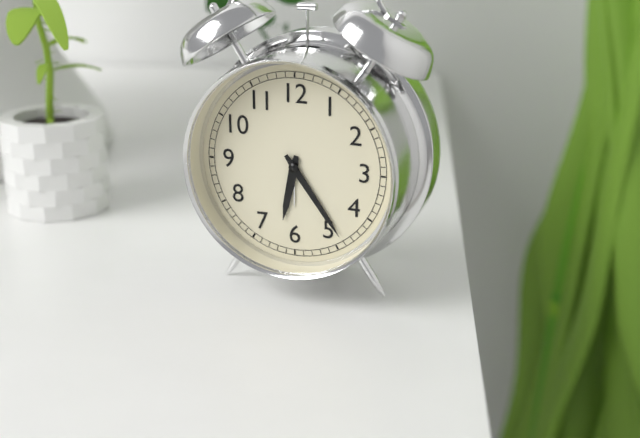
6:24
